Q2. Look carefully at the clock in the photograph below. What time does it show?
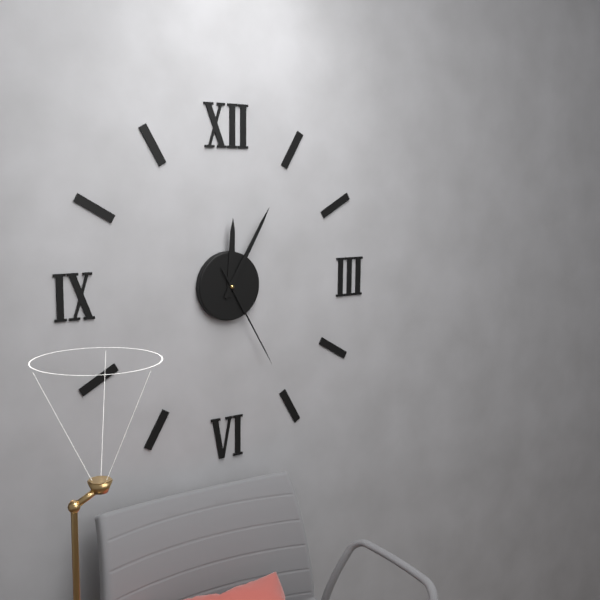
12:05:25
